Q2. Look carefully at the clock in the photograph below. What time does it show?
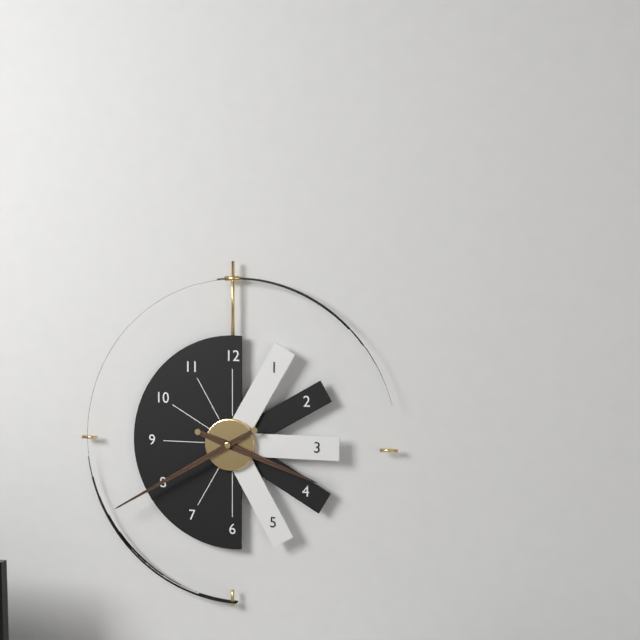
3:40
